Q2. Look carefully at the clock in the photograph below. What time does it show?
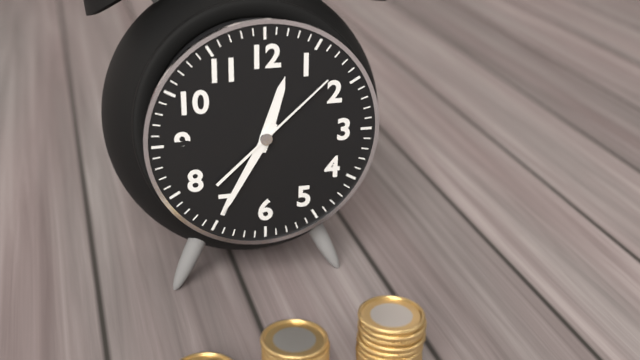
12:35:08
